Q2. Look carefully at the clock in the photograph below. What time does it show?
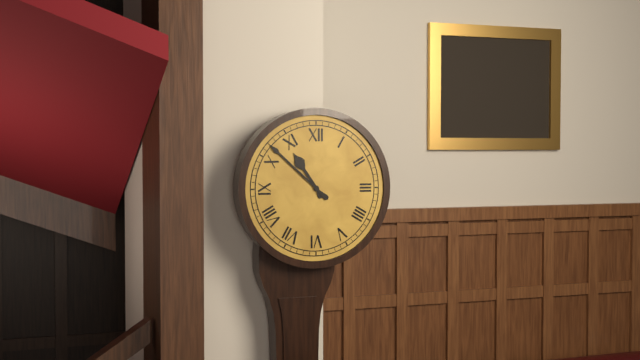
10:52
